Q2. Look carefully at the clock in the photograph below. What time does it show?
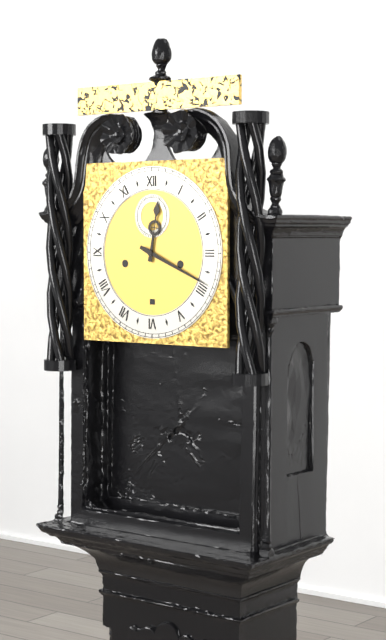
12:19
